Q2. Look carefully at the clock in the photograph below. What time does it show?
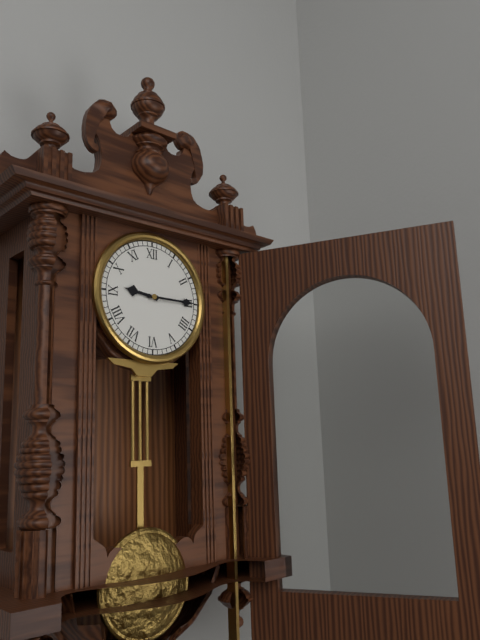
9:15
